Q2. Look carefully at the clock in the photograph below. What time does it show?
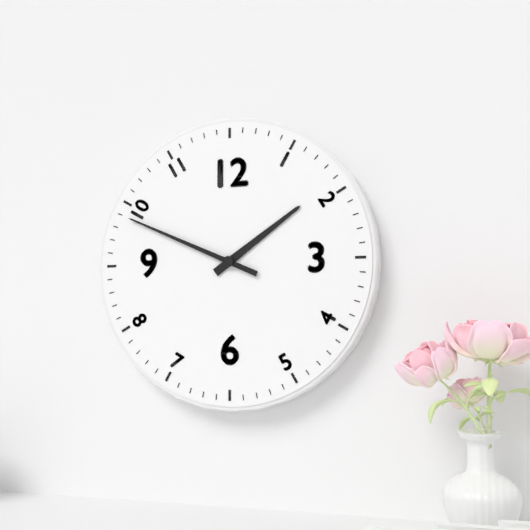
1:49
